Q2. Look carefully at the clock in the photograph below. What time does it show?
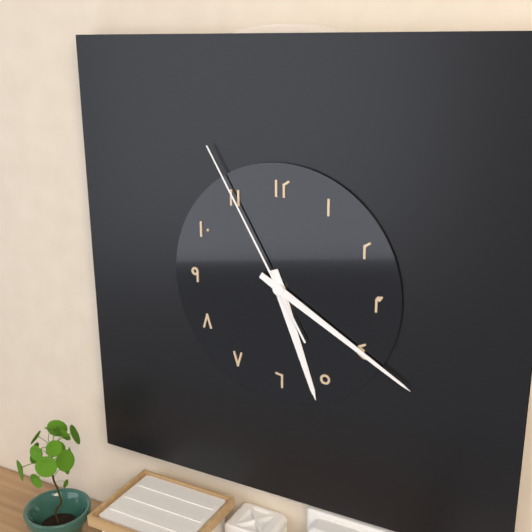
5:20:55
